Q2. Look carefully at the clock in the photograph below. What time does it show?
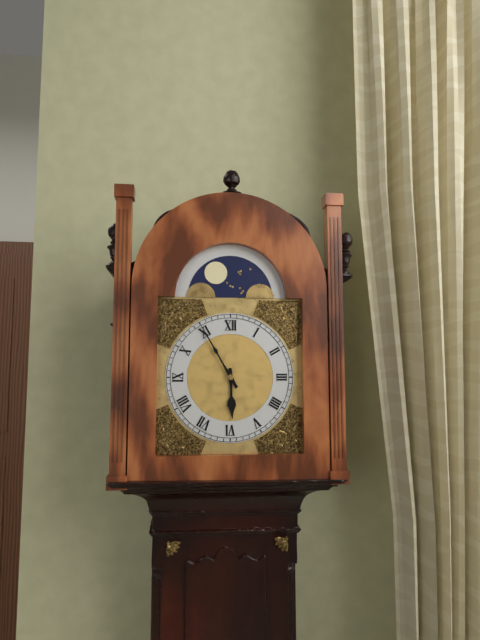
5:55
